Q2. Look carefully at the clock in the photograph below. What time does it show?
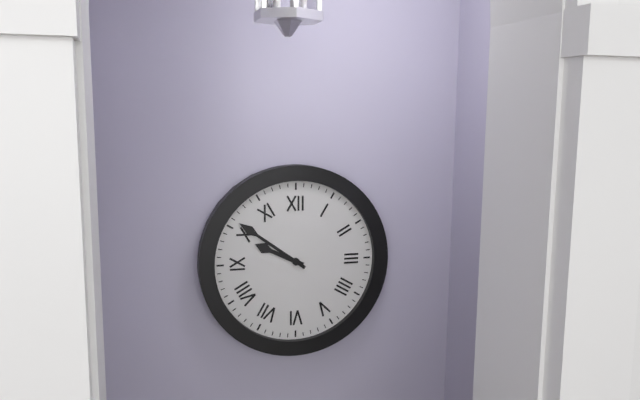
9:51
